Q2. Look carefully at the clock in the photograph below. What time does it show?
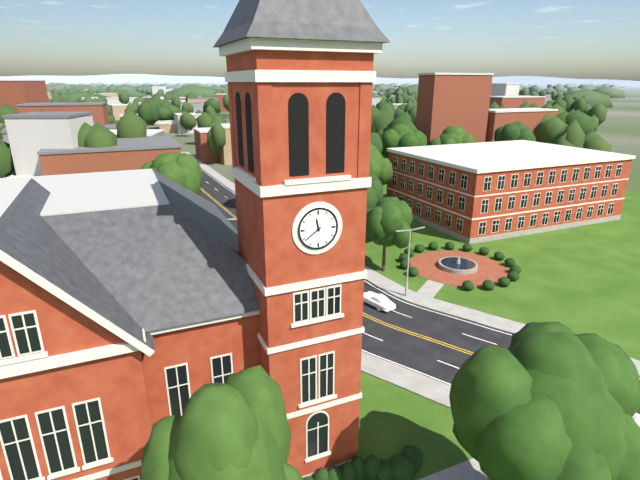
11:39
